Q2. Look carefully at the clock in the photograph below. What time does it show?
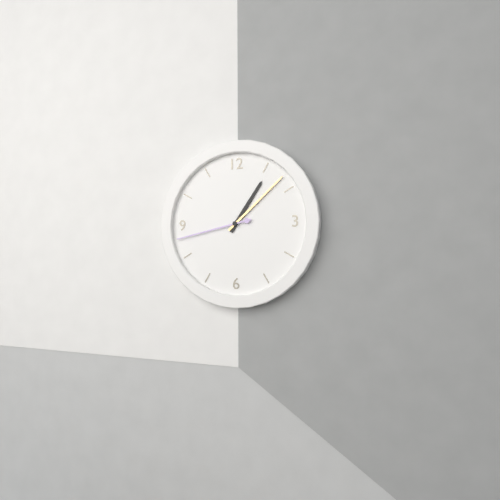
1:08:43
